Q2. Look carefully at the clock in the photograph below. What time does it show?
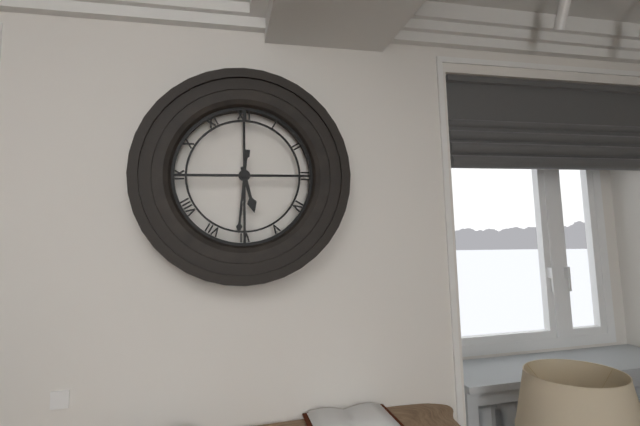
5:31
